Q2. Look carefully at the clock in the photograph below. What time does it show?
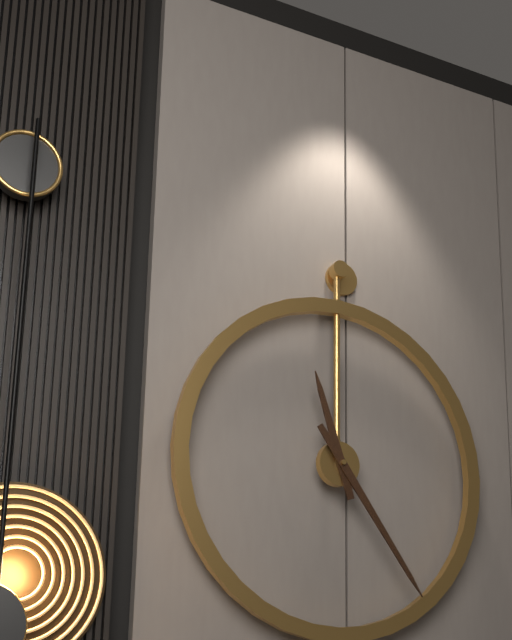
11:24
